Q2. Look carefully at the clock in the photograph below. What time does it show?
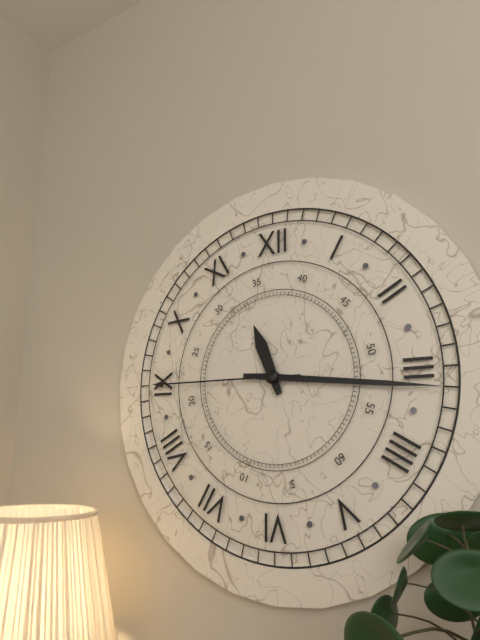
11:16:45
